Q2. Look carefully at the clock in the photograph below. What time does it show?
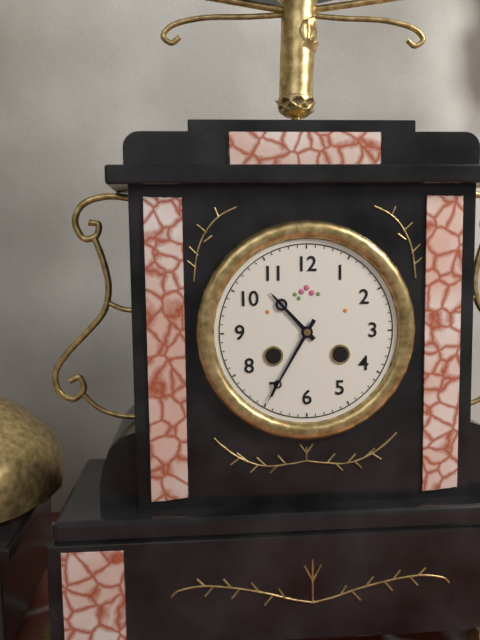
10:35
